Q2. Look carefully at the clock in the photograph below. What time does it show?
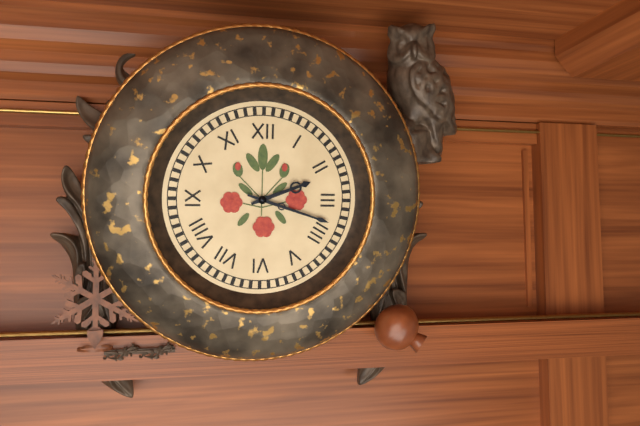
2:18
